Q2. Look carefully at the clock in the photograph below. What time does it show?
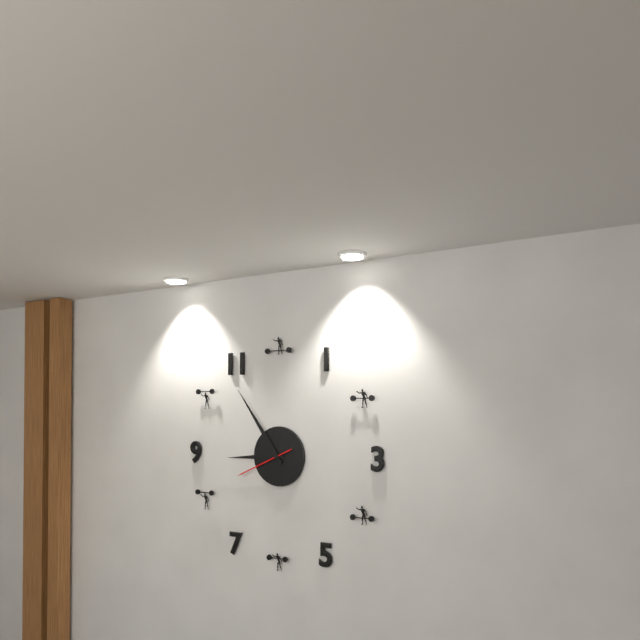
8:54:41
